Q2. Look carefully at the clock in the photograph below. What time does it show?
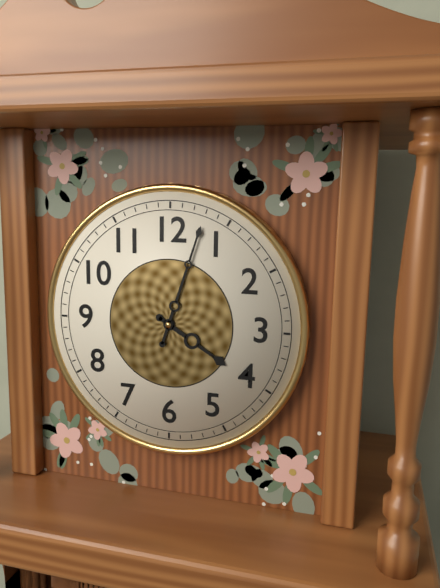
4:03
